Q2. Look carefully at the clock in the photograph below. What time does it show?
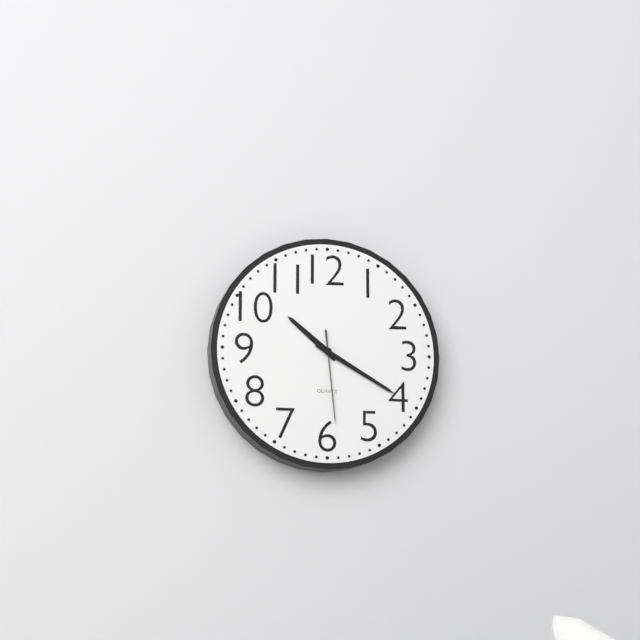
10:20:29
